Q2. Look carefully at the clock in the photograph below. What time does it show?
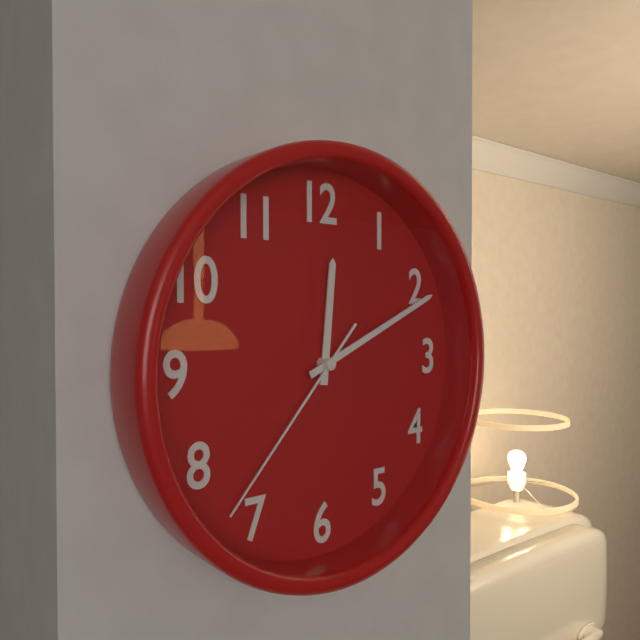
12:11:37
